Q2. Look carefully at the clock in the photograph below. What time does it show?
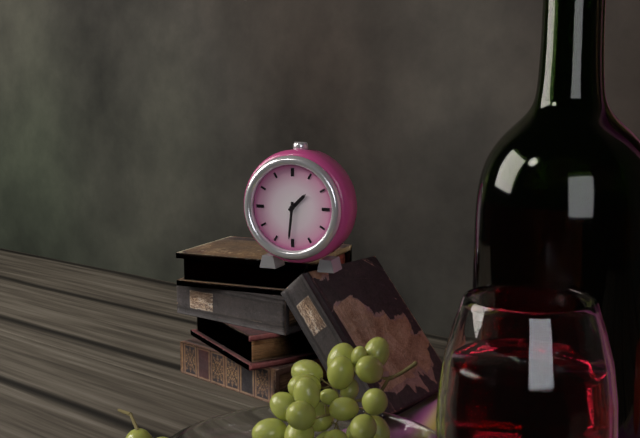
1:31
